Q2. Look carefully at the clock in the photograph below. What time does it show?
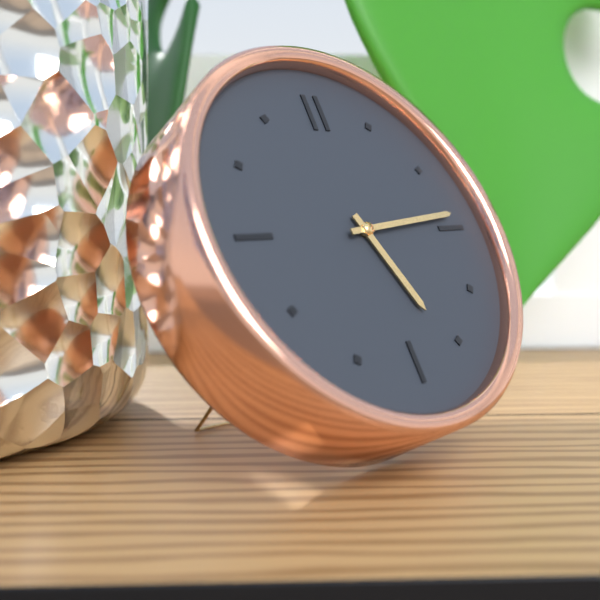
5:14
